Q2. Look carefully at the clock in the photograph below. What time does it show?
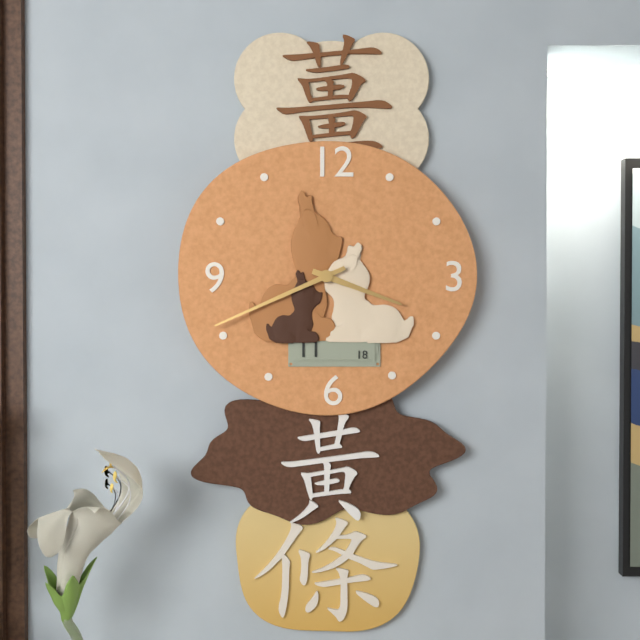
3:41
